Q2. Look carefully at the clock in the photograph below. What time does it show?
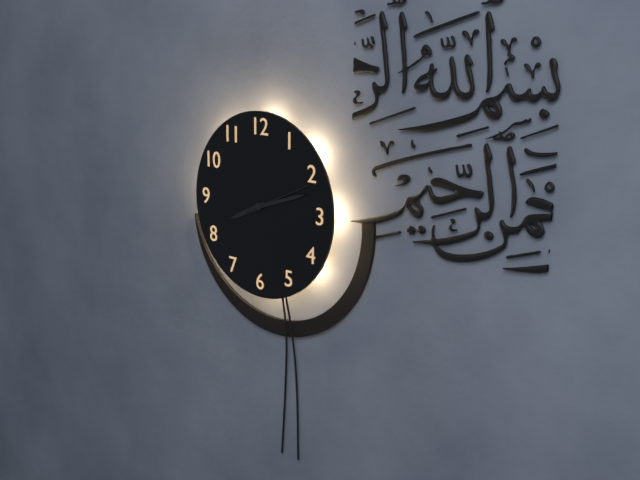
8:12:11
